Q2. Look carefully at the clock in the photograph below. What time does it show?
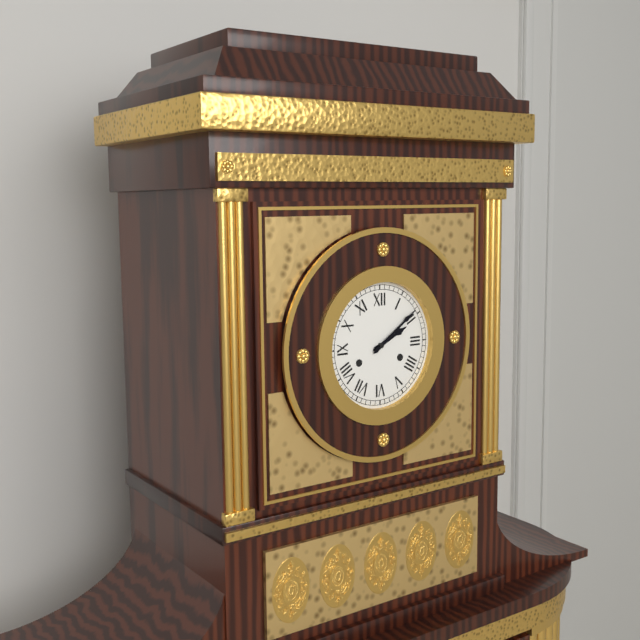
2:09
